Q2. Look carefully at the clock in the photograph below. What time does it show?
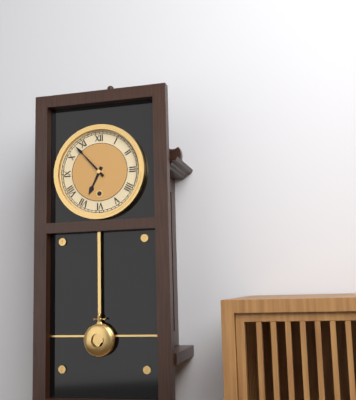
6:53
